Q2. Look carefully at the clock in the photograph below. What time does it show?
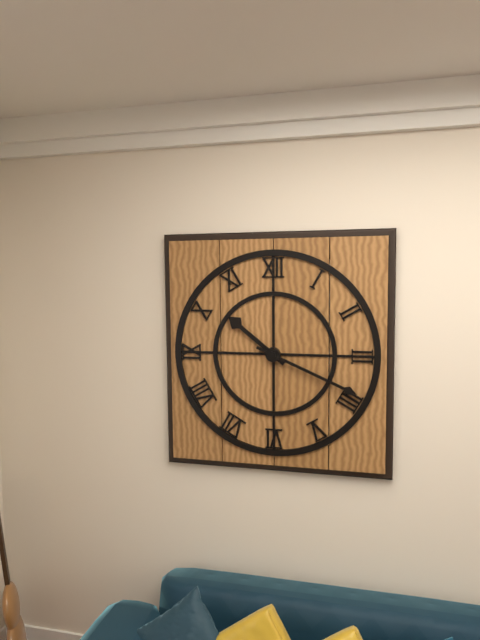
10:19
